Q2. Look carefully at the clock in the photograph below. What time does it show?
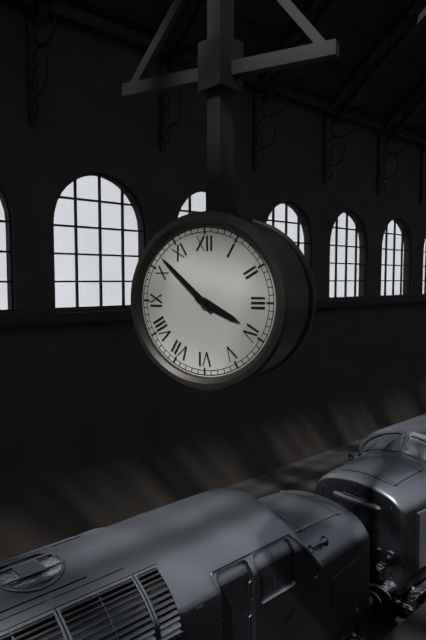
3:52
